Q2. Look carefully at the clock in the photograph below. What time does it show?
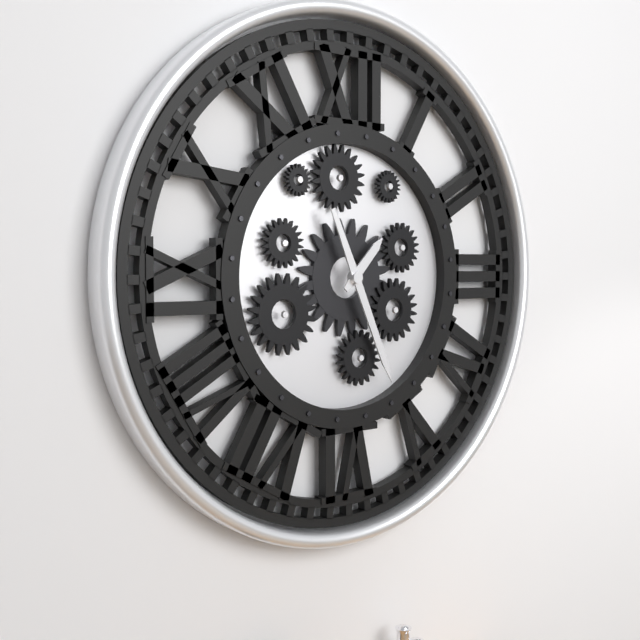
1:26
